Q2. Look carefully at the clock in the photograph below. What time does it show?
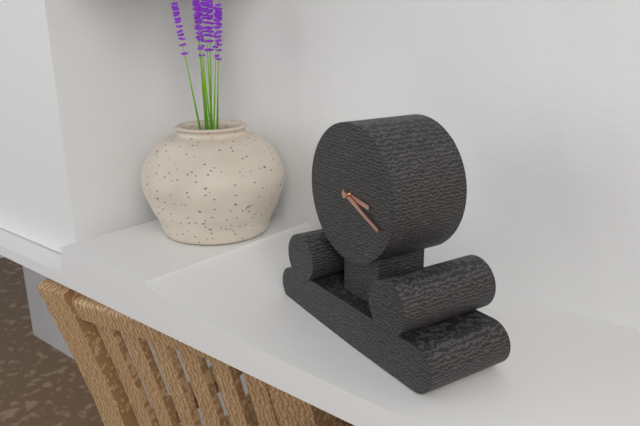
3:19
